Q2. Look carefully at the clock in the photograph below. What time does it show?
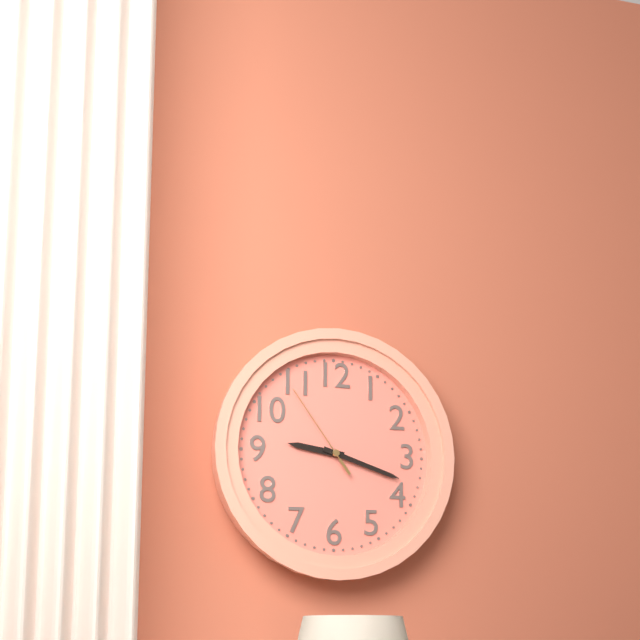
9:18:54
